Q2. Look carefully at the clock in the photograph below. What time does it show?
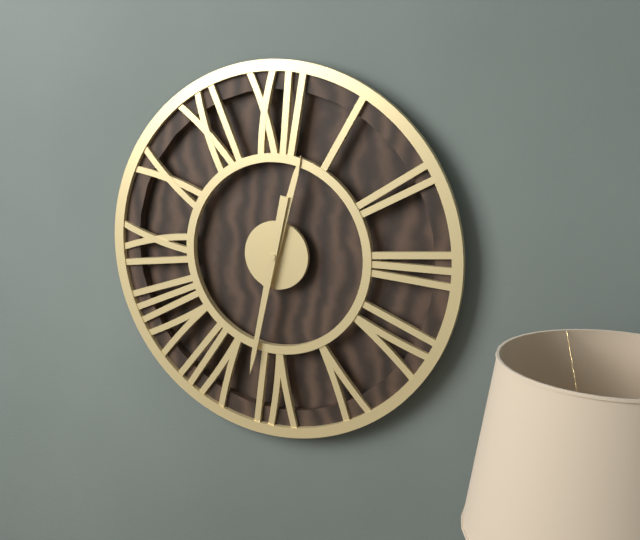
12:32
